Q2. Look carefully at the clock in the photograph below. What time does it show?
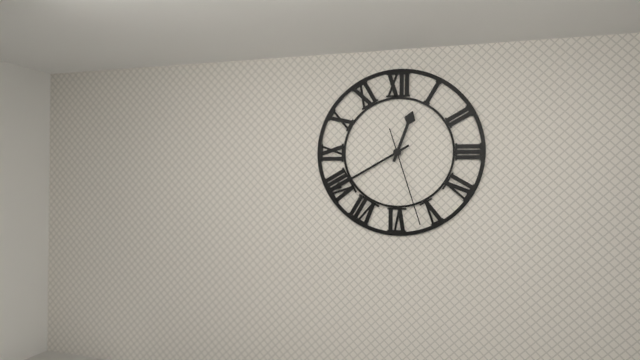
12:40:27
